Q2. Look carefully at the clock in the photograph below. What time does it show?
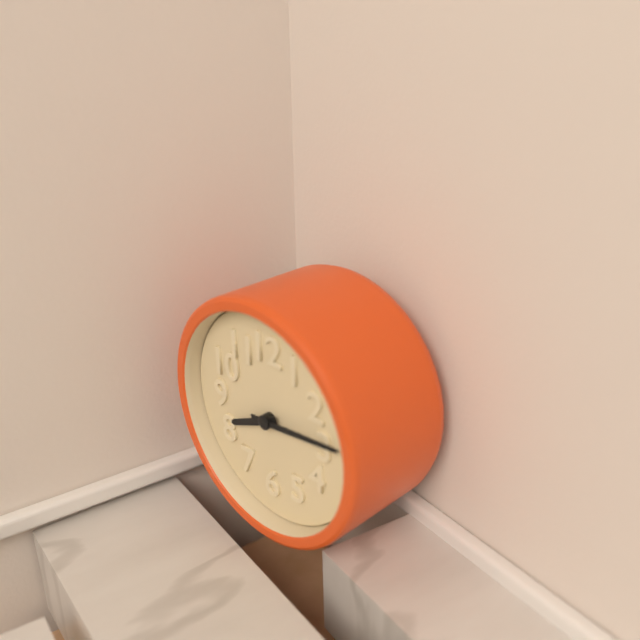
8:14
